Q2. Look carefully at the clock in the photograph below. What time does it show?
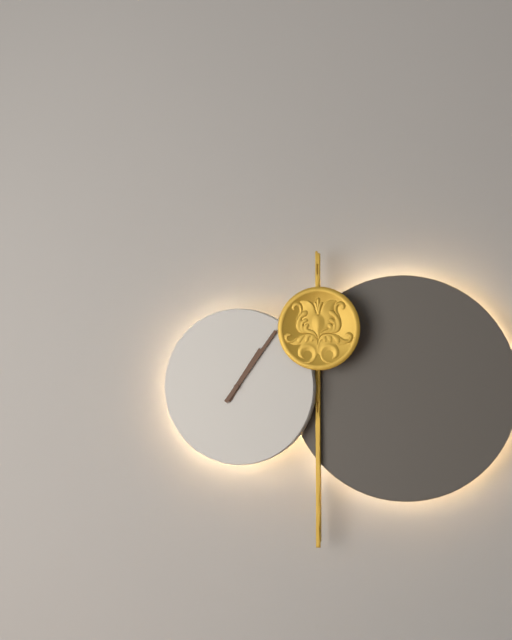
1:06
